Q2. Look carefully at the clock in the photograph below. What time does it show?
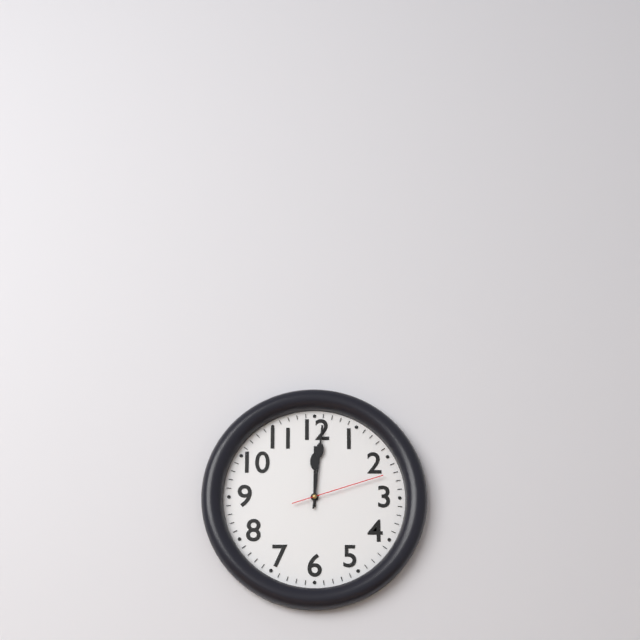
12:01:12
